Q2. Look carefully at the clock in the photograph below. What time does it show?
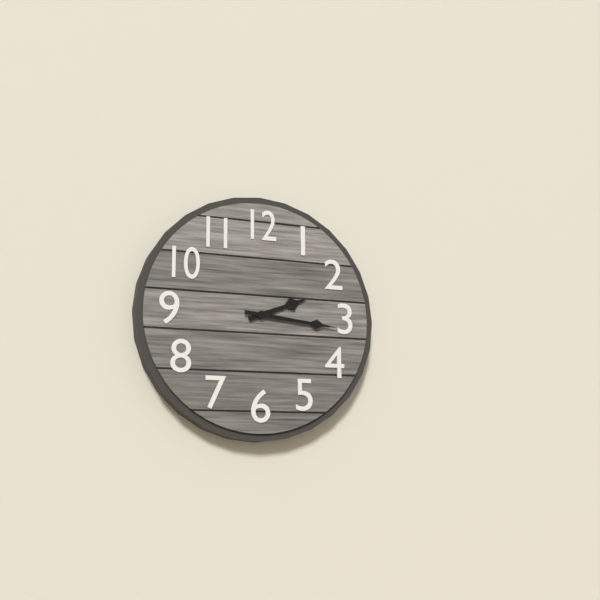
2:16
